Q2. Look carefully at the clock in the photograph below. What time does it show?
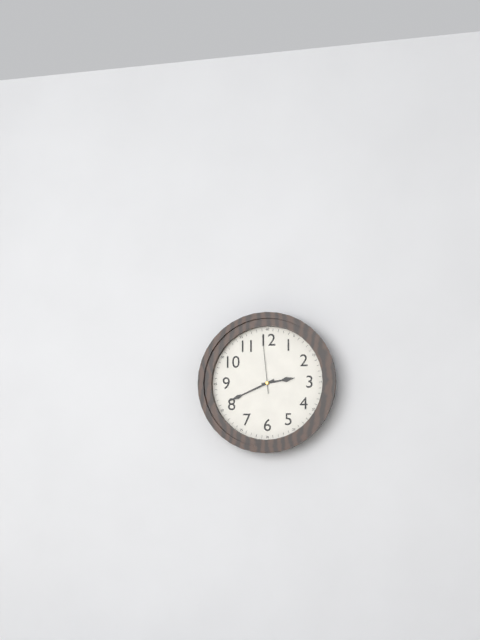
2:41:59
